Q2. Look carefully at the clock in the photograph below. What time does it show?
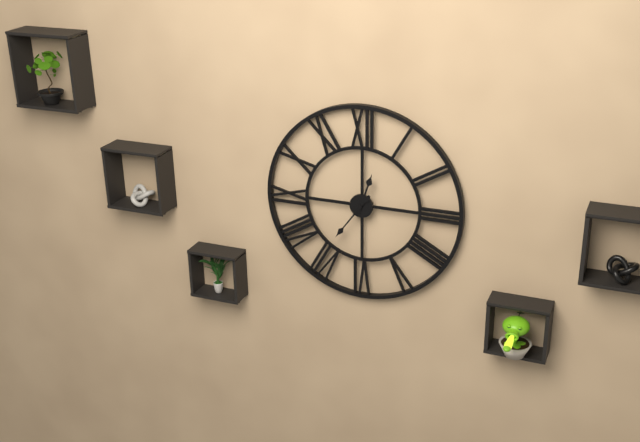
12:36
